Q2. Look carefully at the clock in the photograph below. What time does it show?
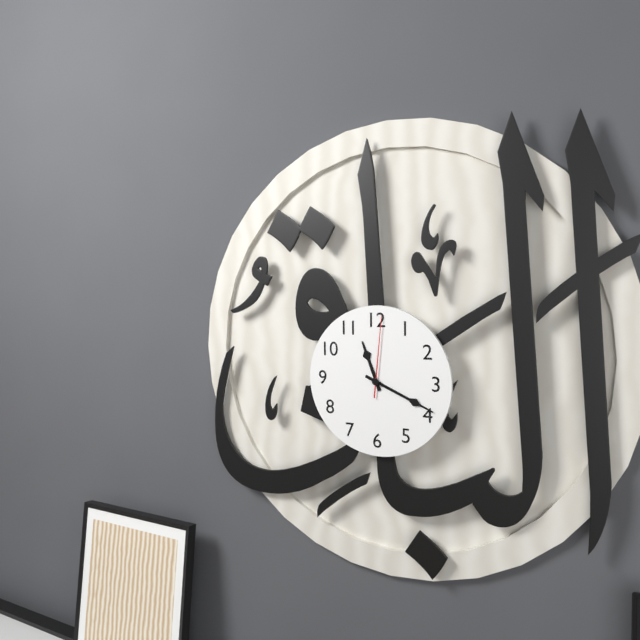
11:19:01
